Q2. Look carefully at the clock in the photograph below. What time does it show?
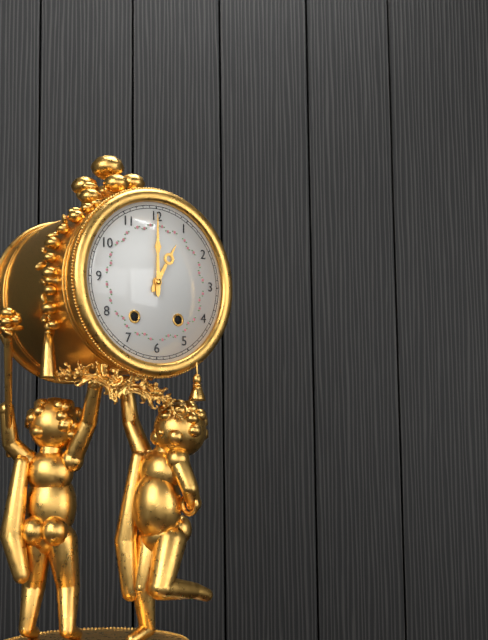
1:00
